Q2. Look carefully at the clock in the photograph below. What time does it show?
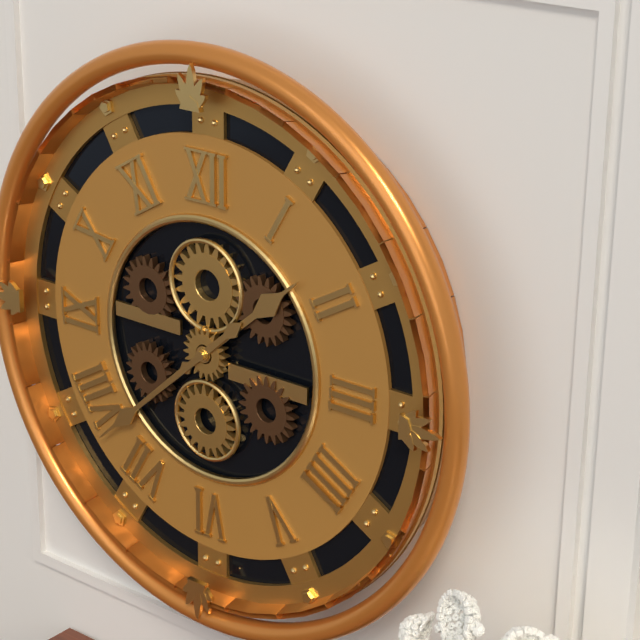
1:38
